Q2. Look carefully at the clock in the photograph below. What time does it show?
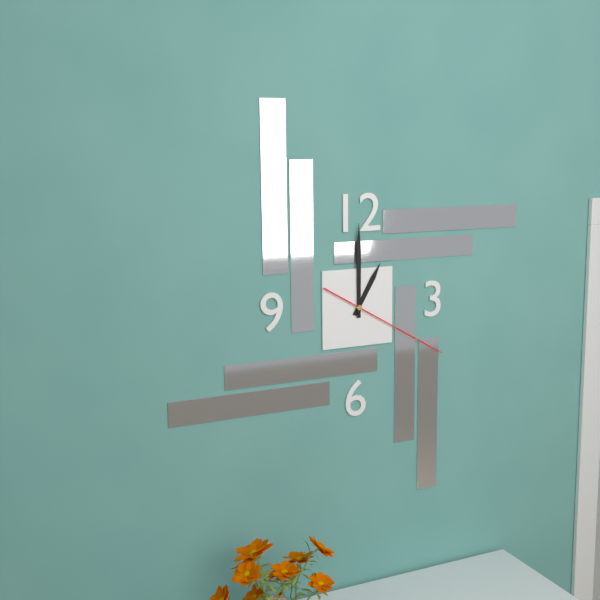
1:00:20
